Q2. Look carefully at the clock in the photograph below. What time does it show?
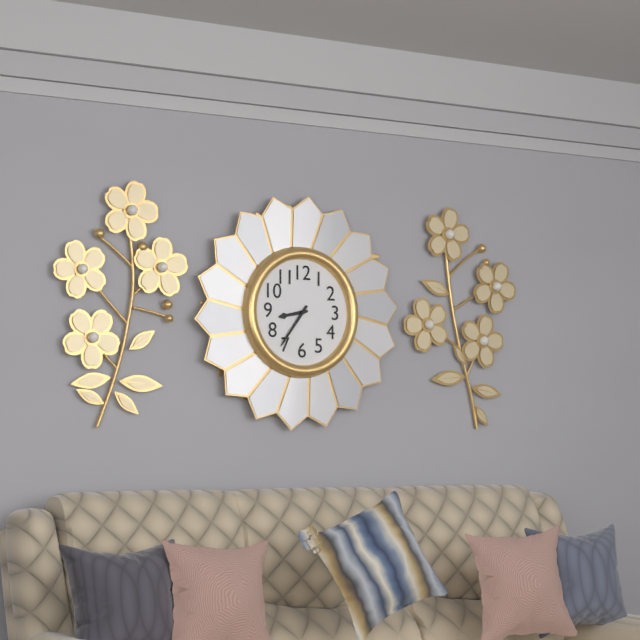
8:36
